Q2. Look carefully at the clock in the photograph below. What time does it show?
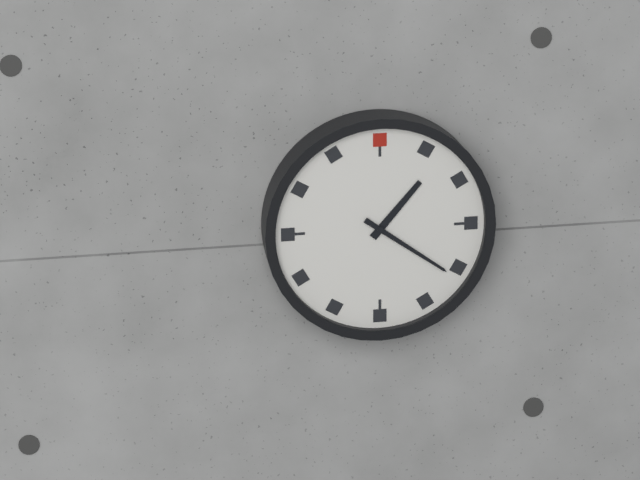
1:21
